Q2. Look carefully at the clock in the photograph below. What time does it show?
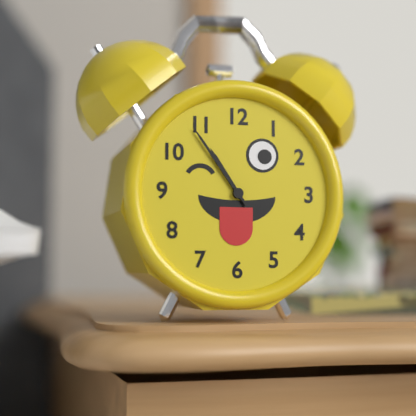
10:54
